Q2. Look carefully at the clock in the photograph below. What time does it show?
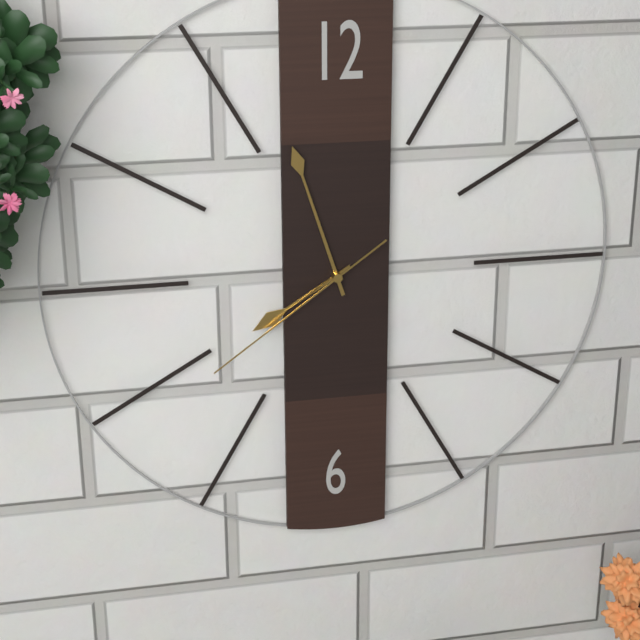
7:57:39
